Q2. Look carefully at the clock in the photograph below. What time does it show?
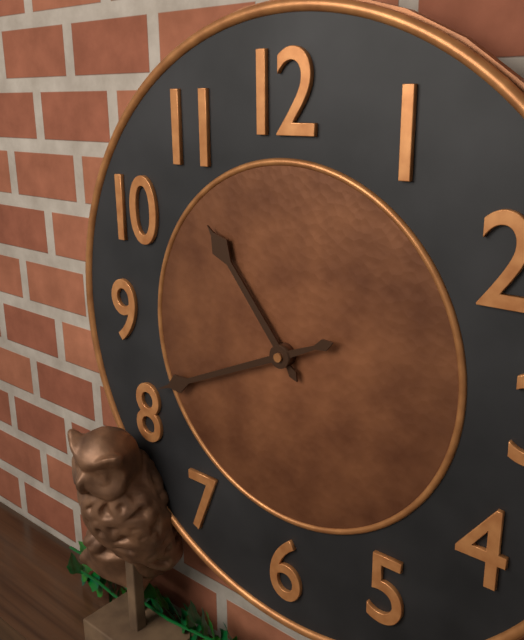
10:41
